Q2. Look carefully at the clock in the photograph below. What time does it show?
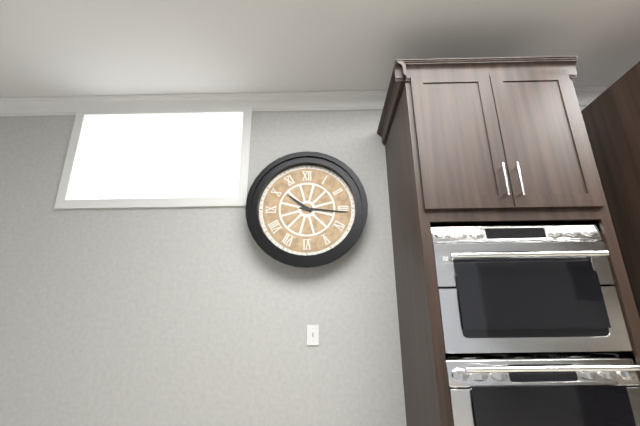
10:16
